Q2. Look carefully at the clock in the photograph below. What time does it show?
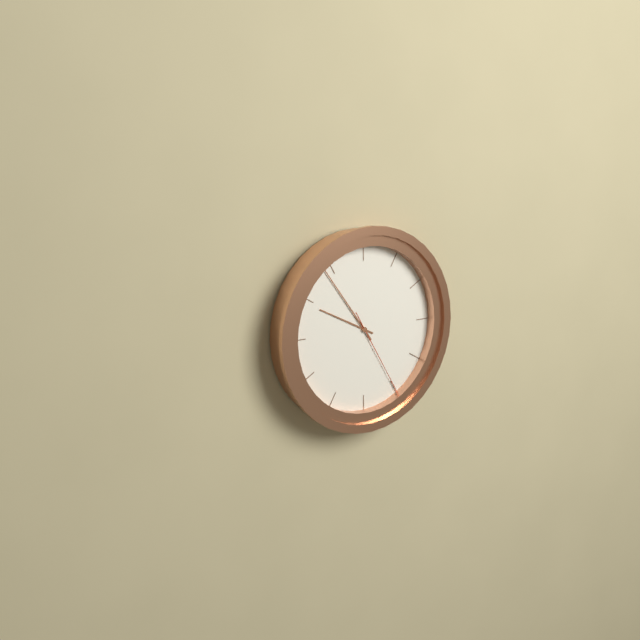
9:54:25
